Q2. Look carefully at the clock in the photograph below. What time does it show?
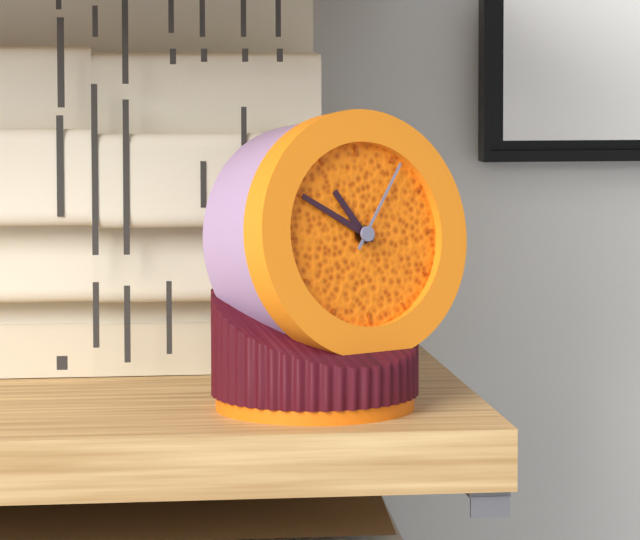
10:50:06
